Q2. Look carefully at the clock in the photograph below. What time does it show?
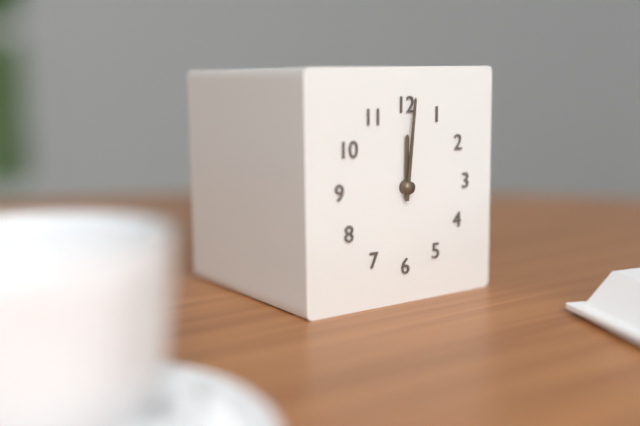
12:01
